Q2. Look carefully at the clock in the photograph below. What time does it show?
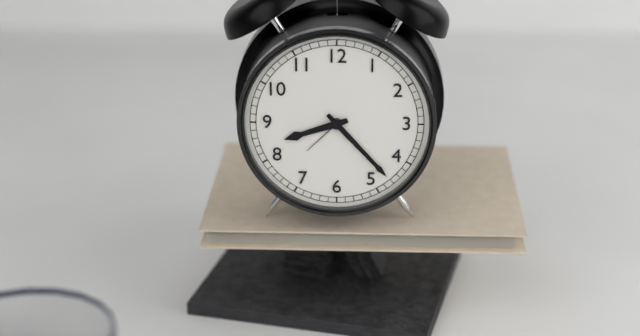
8:23
